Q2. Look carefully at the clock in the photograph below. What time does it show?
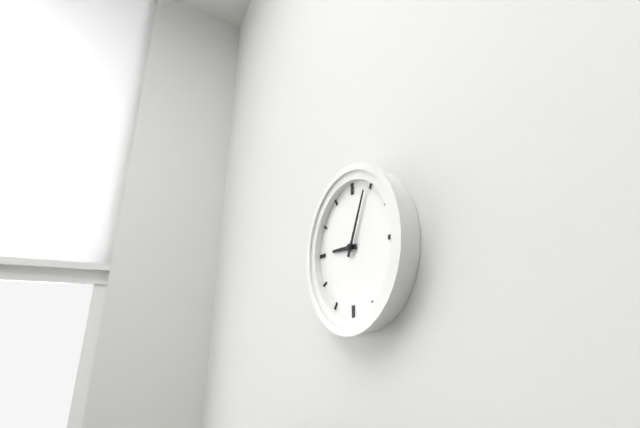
9:04
